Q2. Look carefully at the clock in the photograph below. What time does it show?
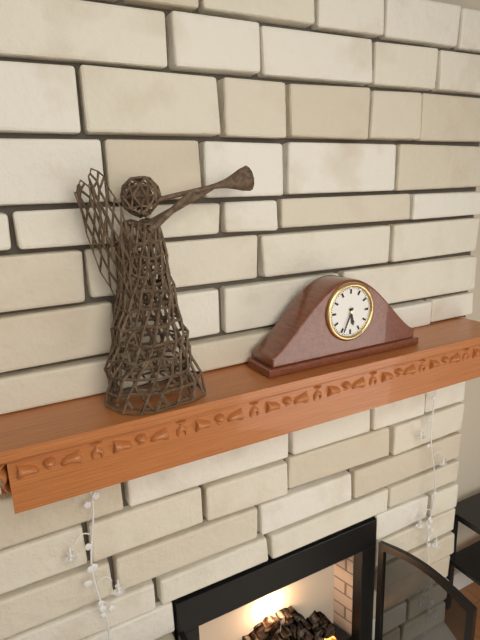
5:34
